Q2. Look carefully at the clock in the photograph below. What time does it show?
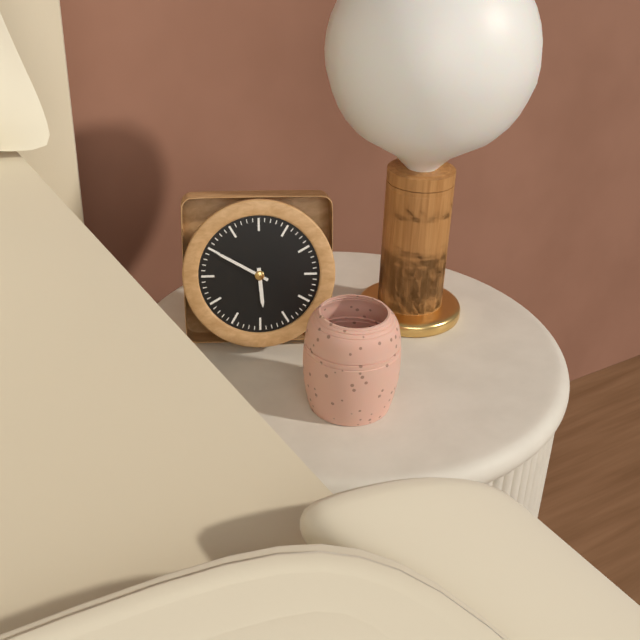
5:50
